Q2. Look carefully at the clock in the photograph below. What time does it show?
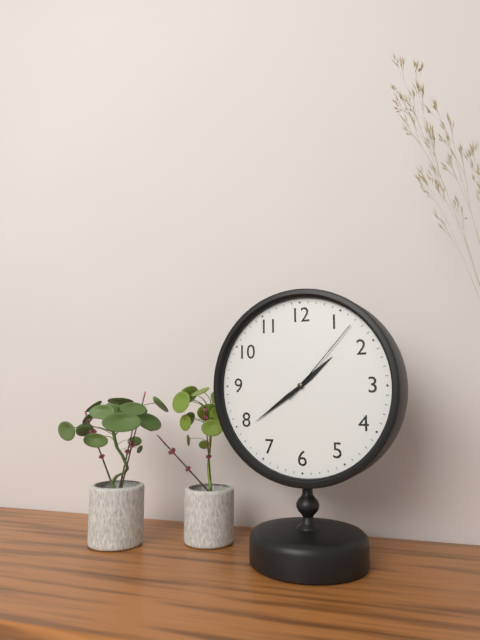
1:39:07
